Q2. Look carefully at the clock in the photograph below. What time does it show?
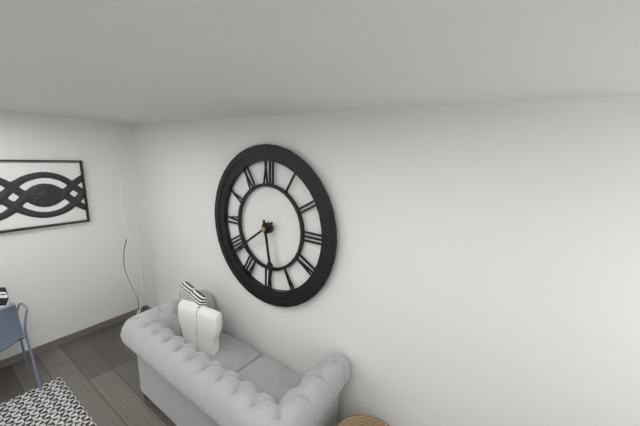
5:39
